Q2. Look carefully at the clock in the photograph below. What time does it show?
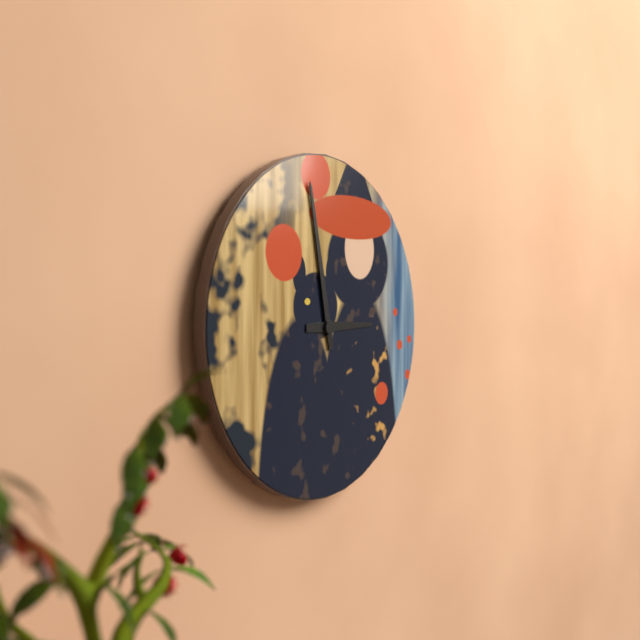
2:58
